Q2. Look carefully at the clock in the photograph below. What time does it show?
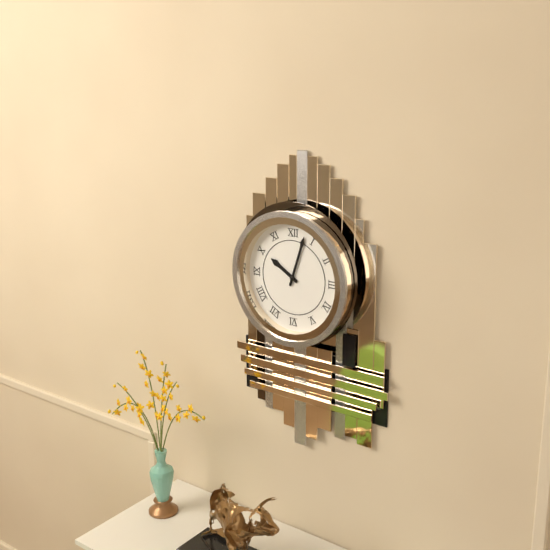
10:03
